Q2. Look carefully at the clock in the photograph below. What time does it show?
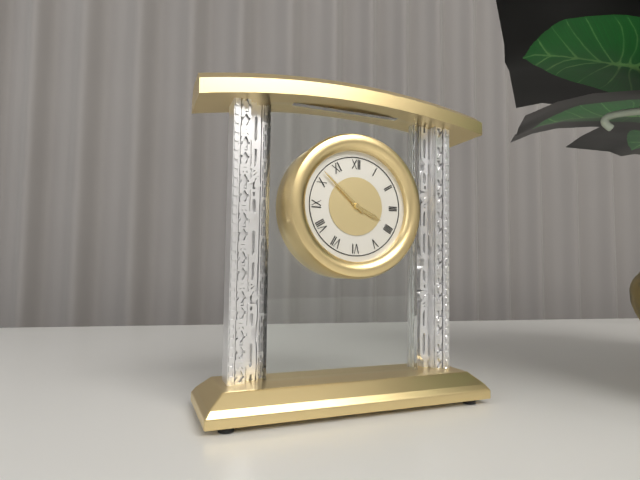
3:52
